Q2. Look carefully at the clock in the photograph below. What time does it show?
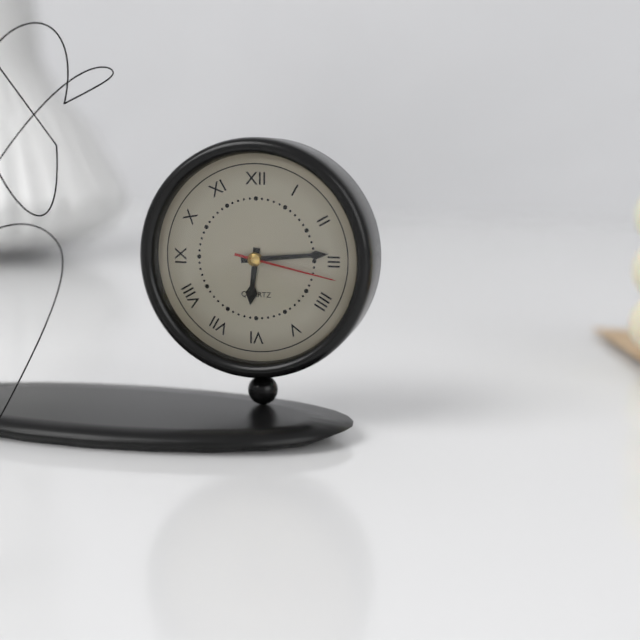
6:14:17
